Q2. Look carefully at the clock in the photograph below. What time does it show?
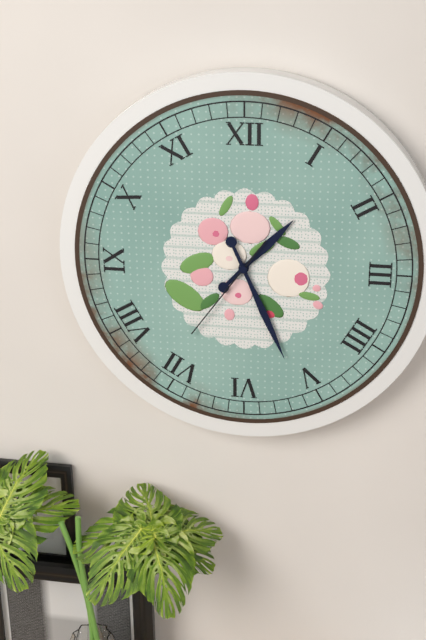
1:26:36
